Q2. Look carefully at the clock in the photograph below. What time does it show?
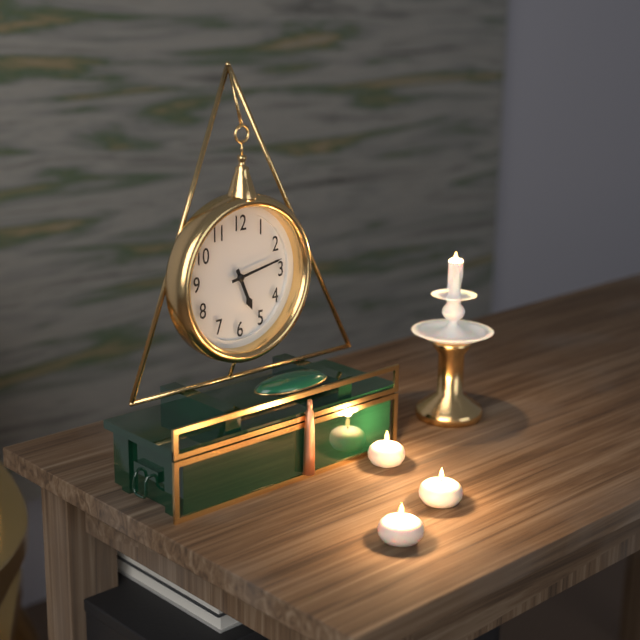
5:13
